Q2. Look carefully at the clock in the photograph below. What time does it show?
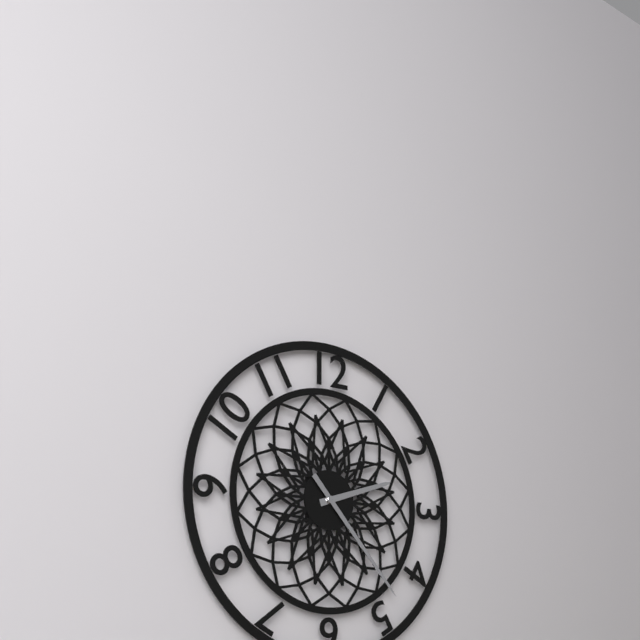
2:23
